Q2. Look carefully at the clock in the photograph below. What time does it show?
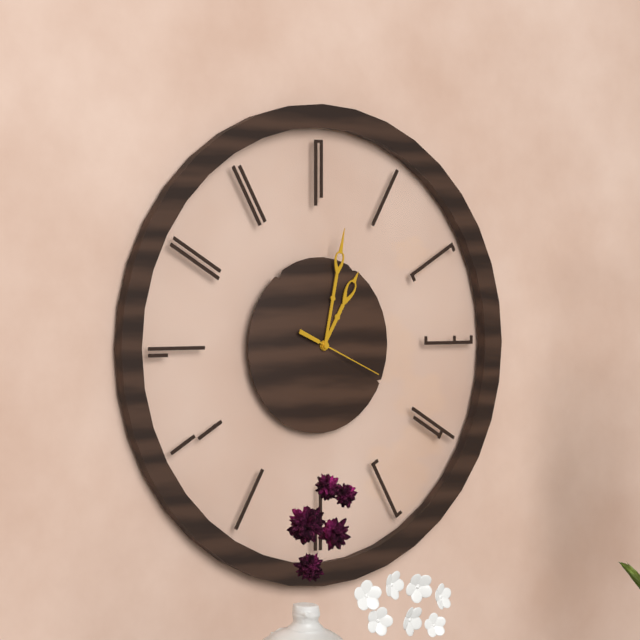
1:02:19
